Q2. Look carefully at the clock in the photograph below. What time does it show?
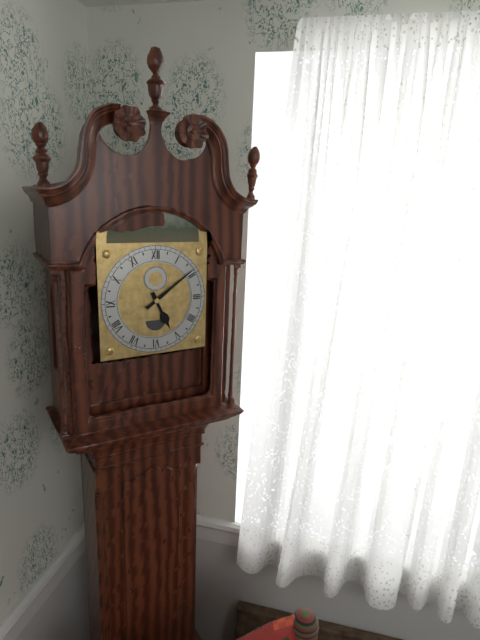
5:09
